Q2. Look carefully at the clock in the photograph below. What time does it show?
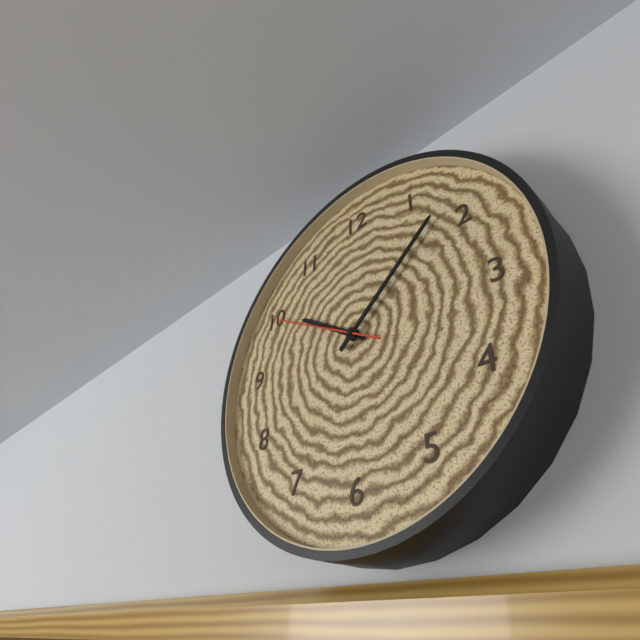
10:08:50
